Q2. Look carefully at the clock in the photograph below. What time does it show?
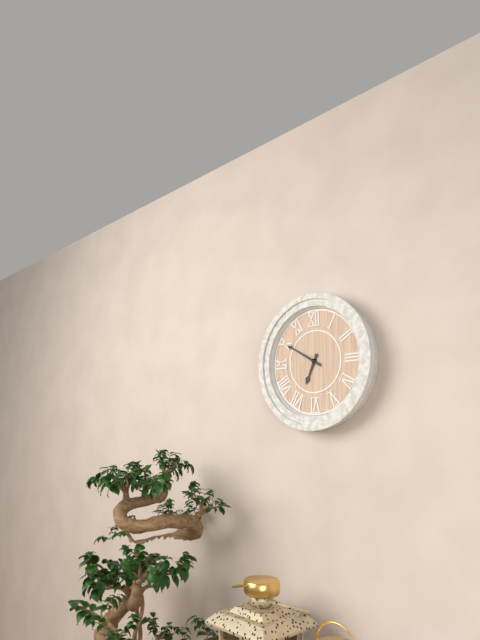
6:50
